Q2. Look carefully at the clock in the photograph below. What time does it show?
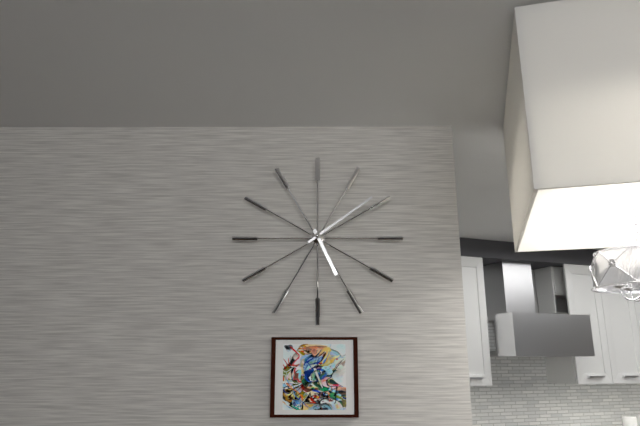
5:09
